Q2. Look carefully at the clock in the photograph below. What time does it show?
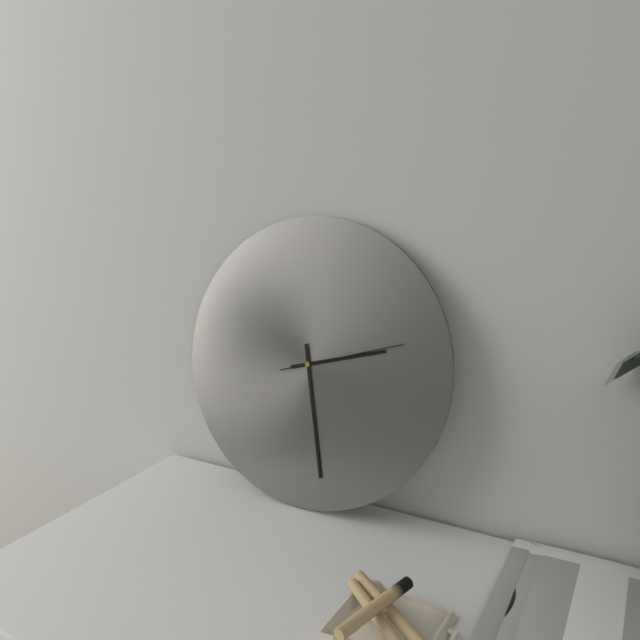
2:28:12
